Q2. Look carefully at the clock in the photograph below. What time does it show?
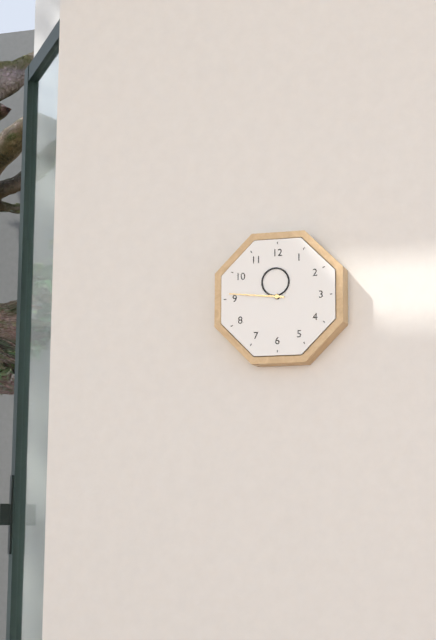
11:46
